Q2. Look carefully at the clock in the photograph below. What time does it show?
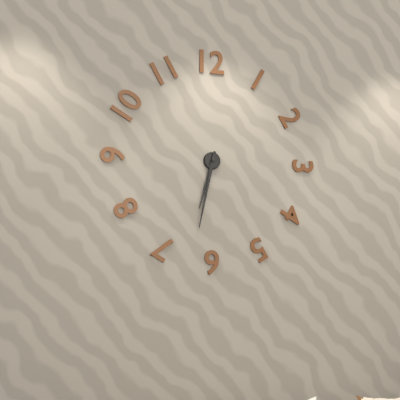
6:32
